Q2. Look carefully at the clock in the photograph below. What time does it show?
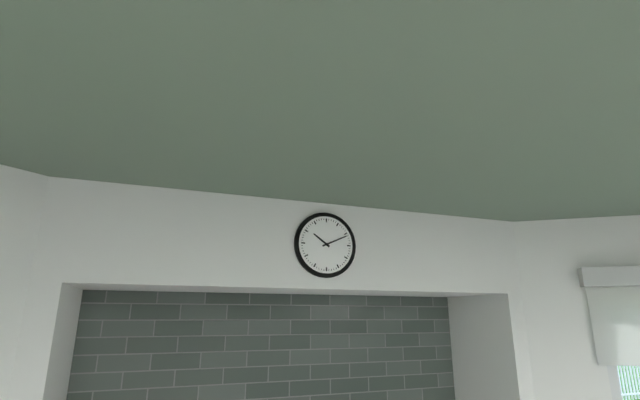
10:11
